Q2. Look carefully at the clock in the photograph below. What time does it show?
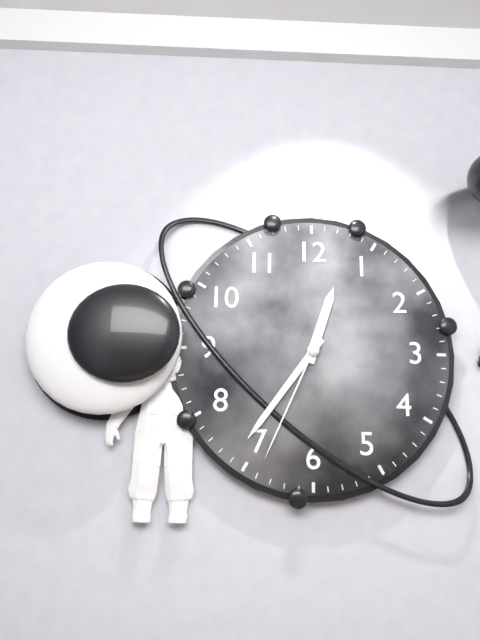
12:36:34
